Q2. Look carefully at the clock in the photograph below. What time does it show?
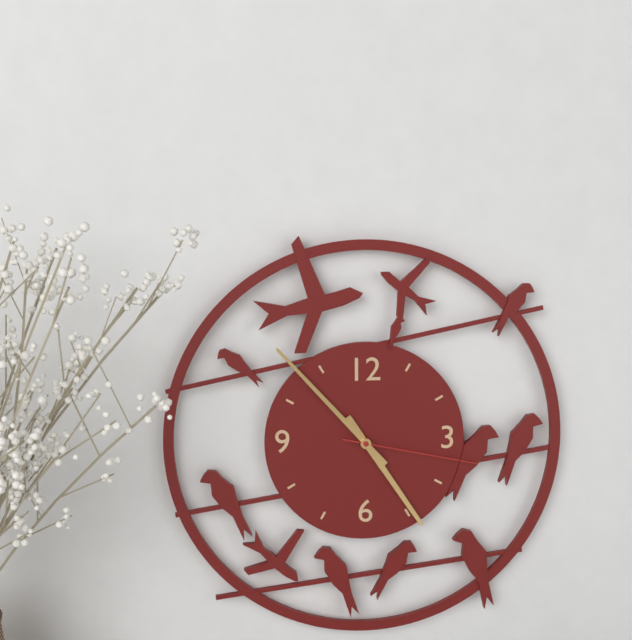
4:53:17
